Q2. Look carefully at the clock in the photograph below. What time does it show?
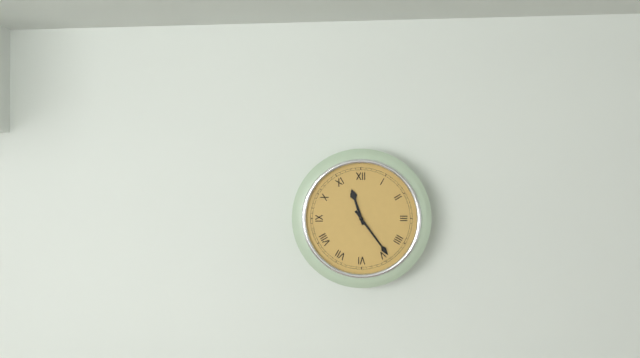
11:24
